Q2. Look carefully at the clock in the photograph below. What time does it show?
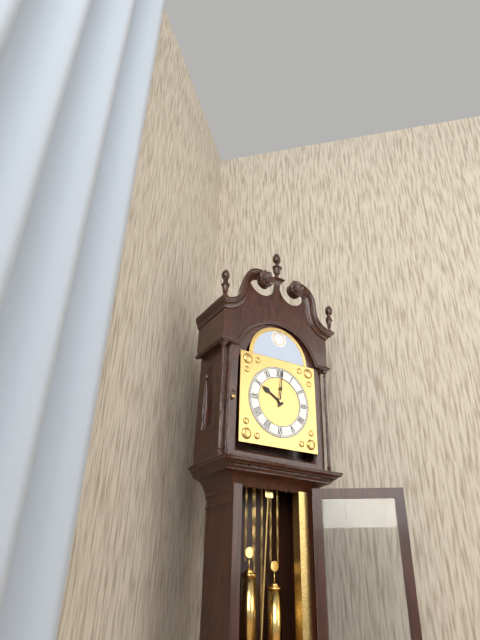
10:01
